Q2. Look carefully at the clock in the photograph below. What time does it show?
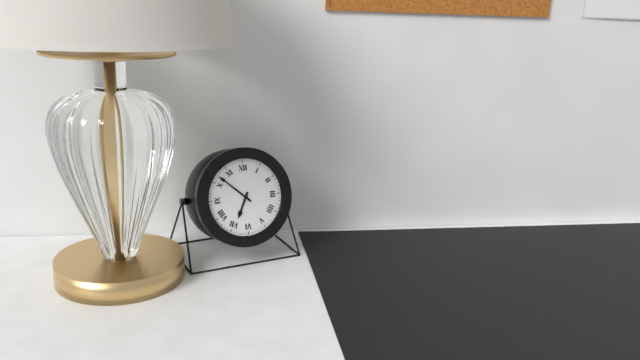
6:52
